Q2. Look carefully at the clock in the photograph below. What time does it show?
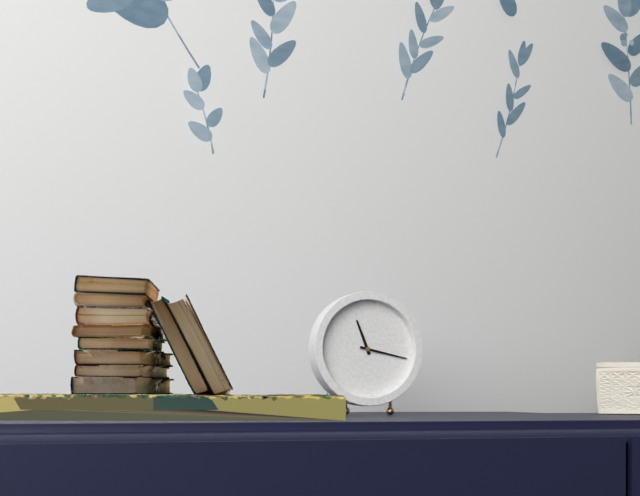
11:17
